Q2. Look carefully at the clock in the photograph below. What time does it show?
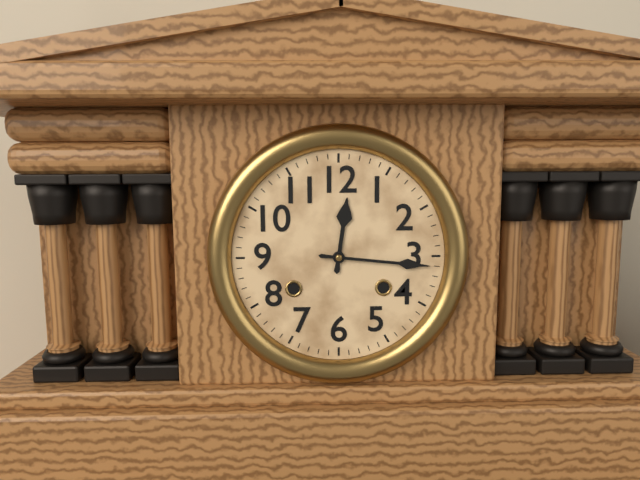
12:16
